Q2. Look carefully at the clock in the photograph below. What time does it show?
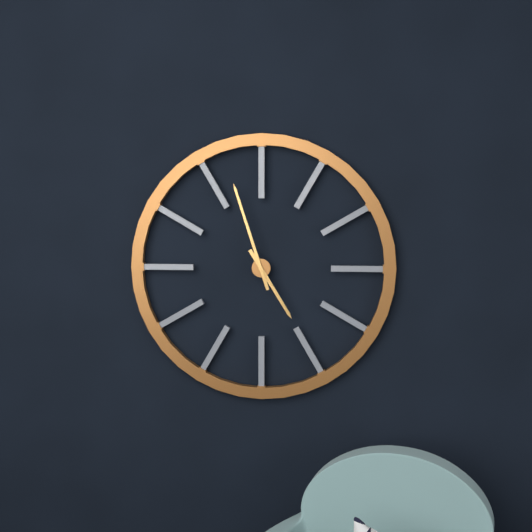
4:57
